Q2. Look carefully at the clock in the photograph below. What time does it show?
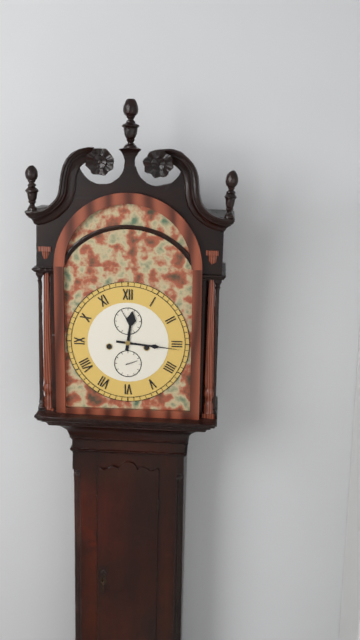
12:16
